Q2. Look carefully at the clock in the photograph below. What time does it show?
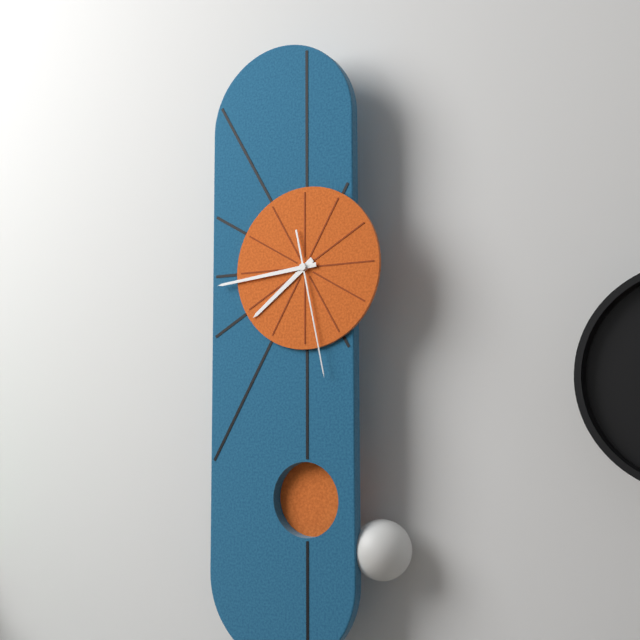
7:44:28
